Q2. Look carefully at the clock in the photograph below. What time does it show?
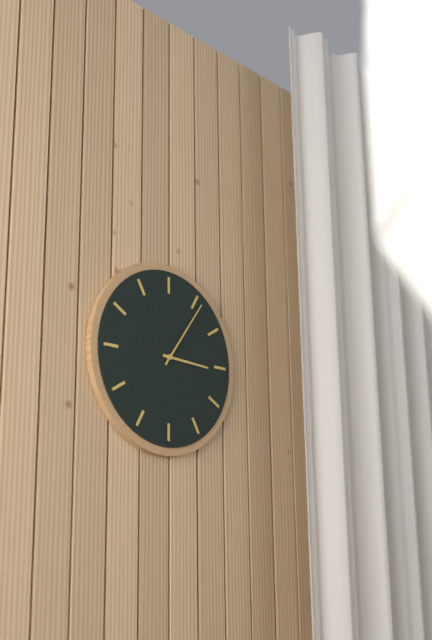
3:06
